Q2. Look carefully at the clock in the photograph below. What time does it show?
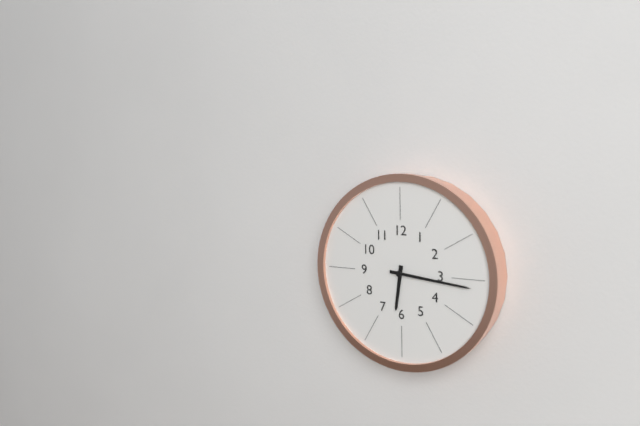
6:16
